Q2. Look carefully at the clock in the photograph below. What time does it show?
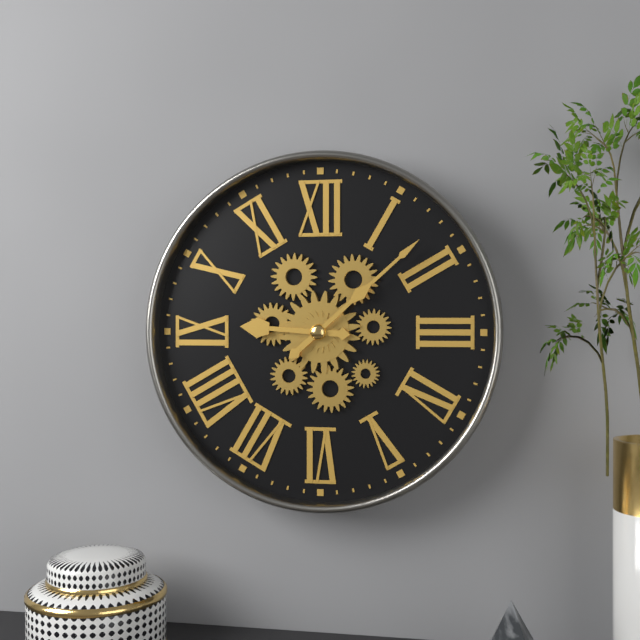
9:08
